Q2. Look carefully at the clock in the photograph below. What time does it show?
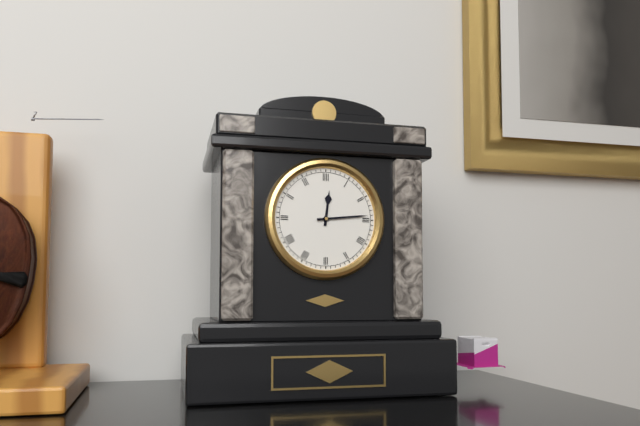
12:14
